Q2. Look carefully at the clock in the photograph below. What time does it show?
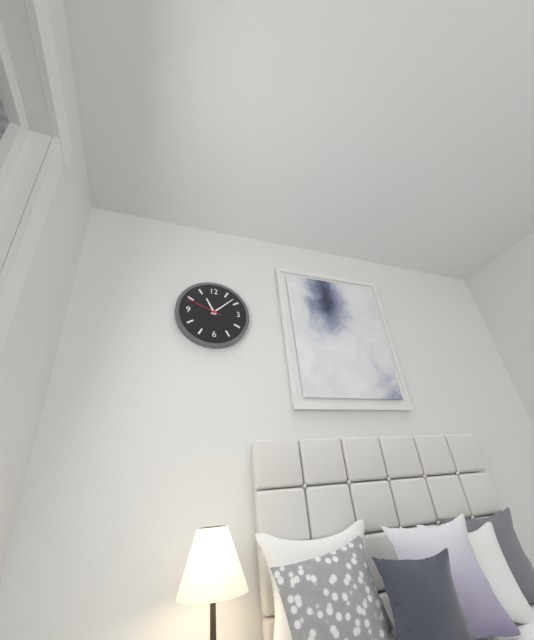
11:08
